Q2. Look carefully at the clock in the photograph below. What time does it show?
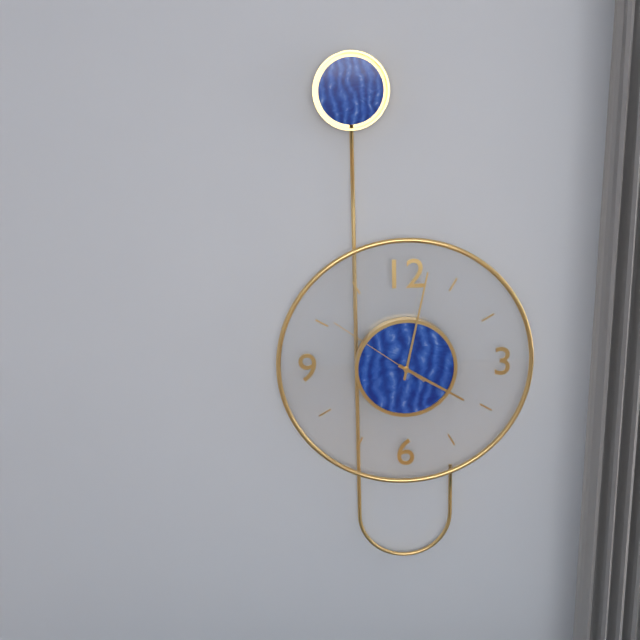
4:02:51
